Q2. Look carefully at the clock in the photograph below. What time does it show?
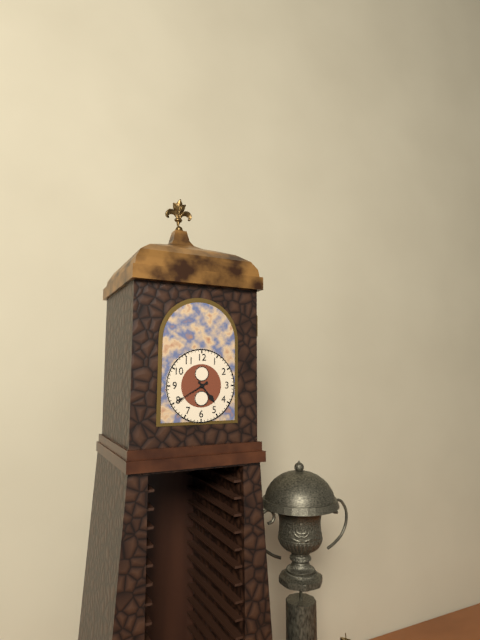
4:40
